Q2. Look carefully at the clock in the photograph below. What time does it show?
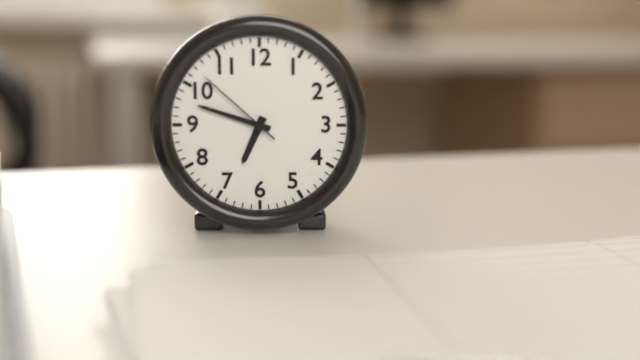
6:48:52
